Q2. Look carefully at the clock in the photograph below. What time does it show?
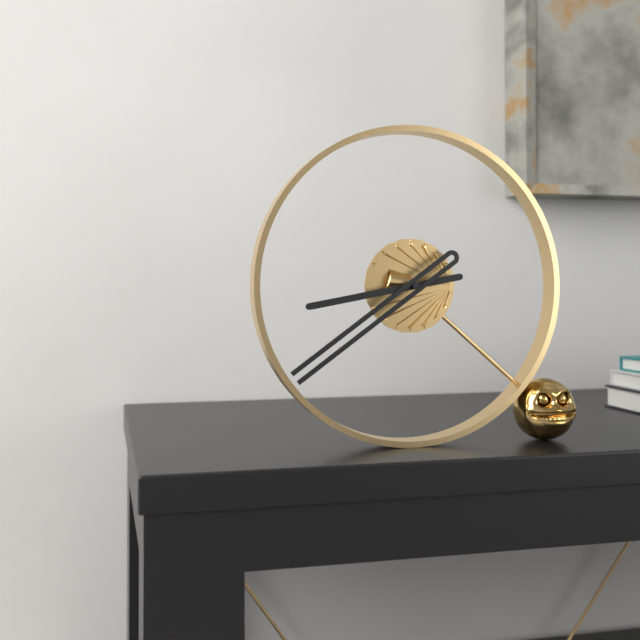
8:39
